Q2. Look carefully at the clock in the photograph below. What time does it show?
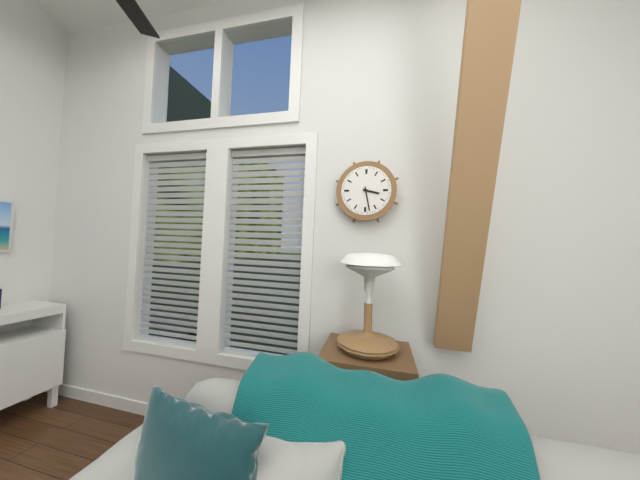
3:28
